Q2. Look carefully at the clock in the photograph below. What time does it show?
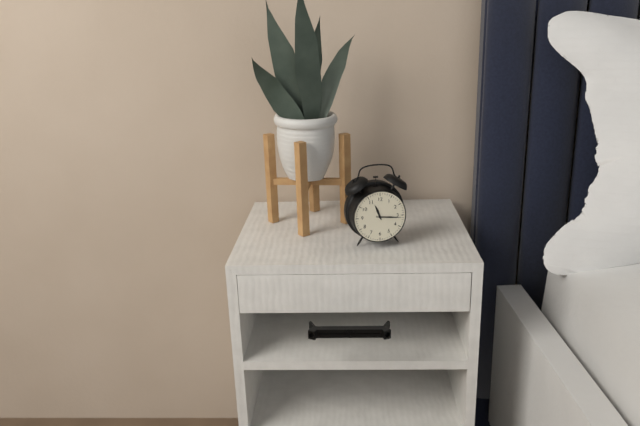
11:16
